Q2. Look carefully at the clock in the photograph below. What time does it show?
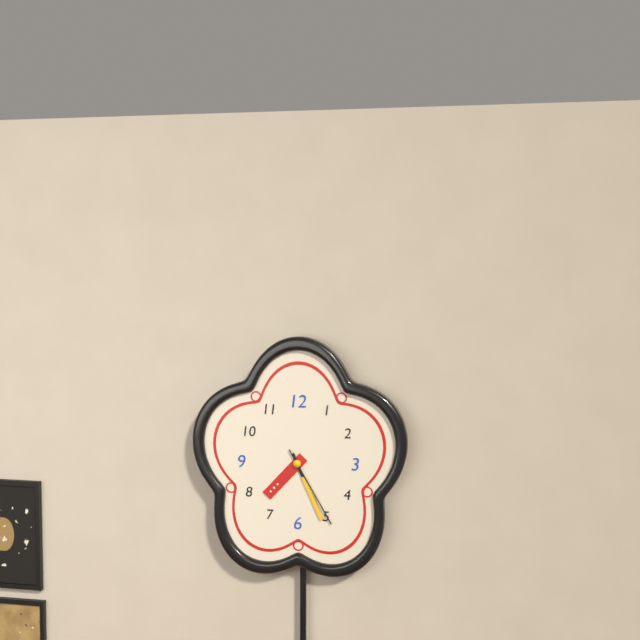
7:26:25
